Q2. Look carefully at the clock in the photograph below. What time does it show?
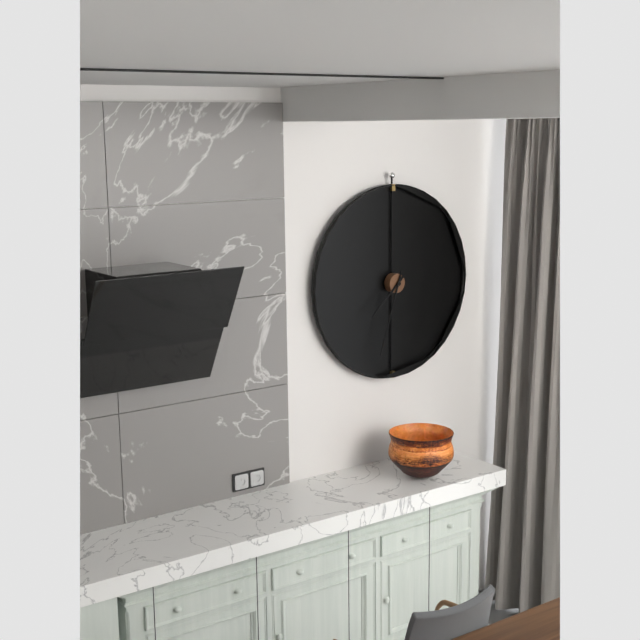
7:33
